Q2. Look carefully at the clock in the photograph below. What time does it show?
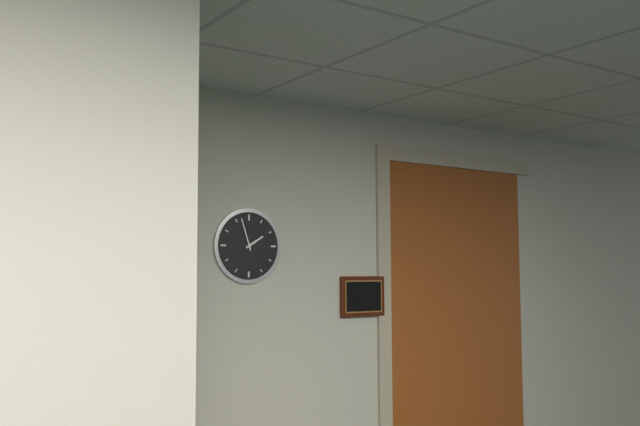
1:57
